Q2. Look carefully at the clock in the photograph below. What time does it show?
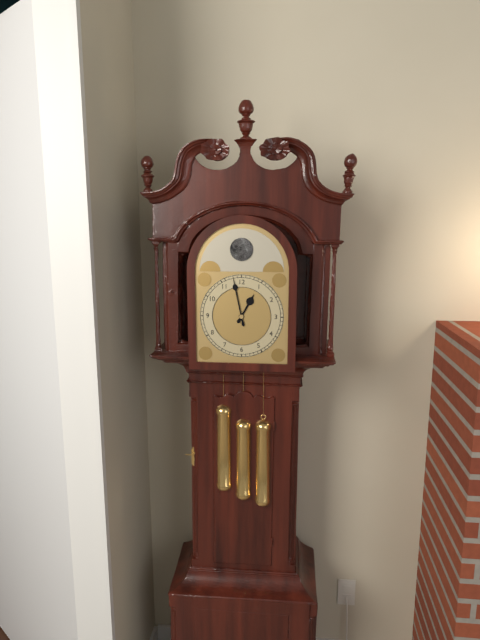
12:58
